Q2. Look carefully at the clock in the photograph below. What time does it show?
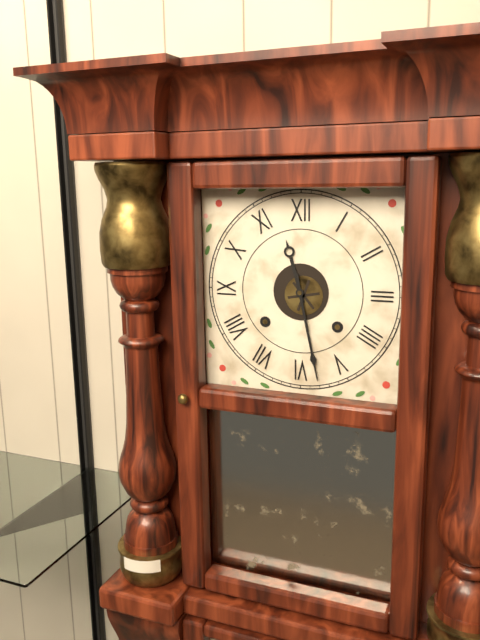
11:28
